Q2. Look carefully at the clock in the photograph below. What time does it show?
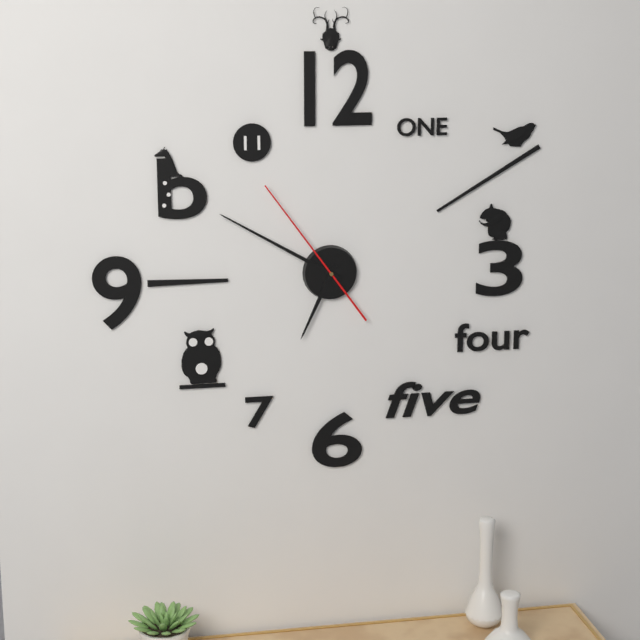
6:50:54
